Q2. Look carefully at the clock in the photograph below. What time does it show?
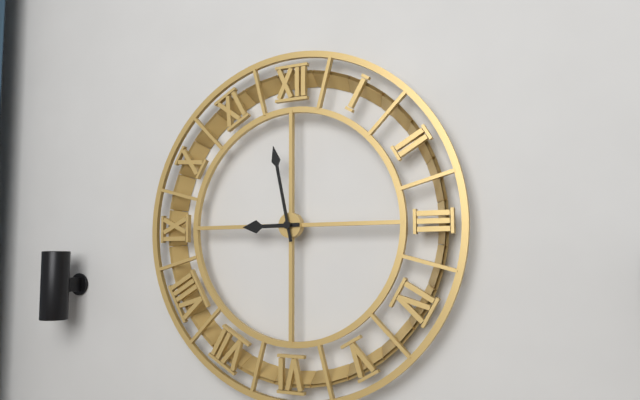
8:58
